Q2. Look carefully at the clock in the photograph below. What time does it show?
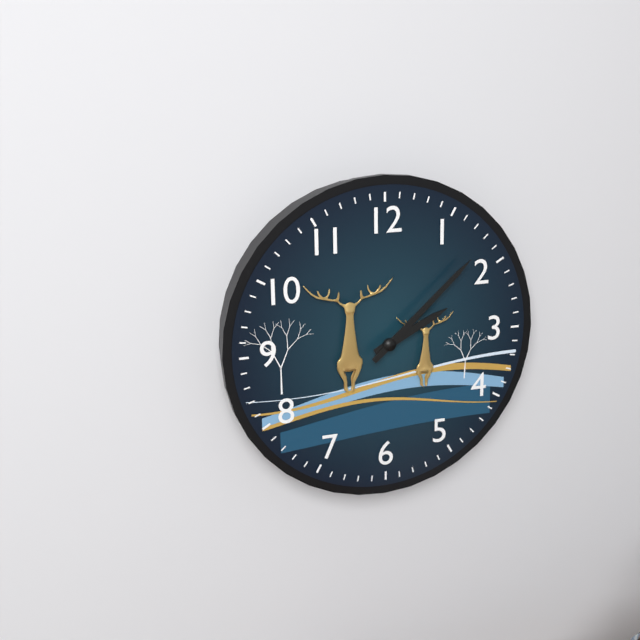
2:08
